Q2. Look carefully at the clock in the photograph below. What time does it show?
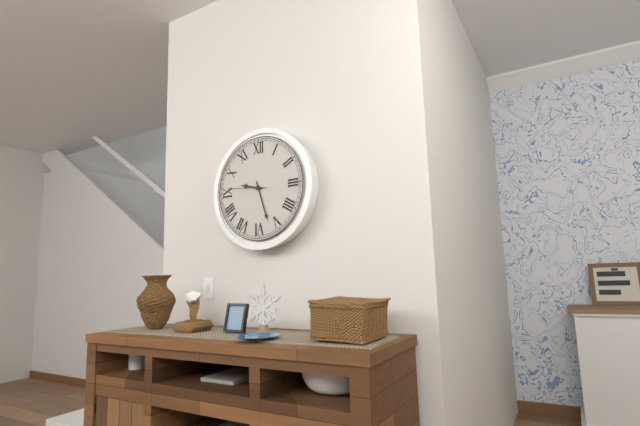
9:27
